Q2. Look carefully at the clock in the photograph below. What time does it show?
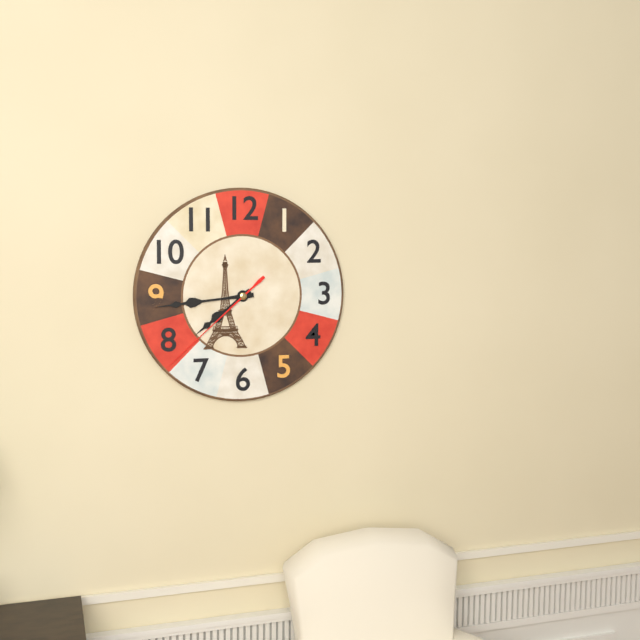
7:44:38
